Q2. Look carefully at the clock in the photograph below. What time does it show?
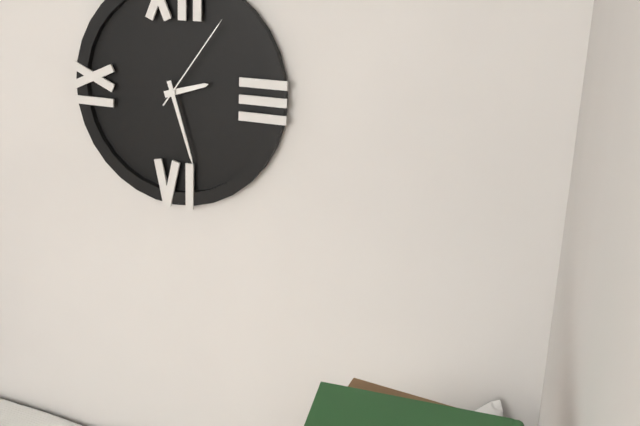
2:27:06
